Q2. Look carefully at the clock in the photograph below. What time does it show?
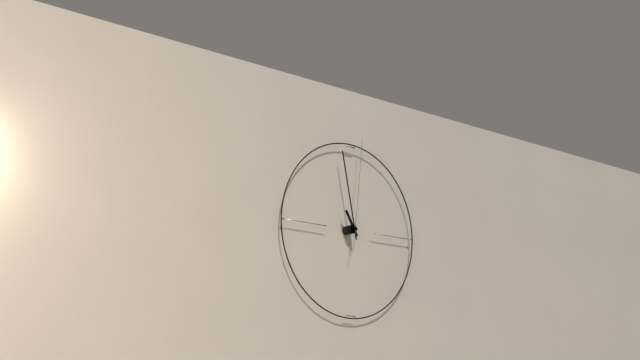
10:58:01
